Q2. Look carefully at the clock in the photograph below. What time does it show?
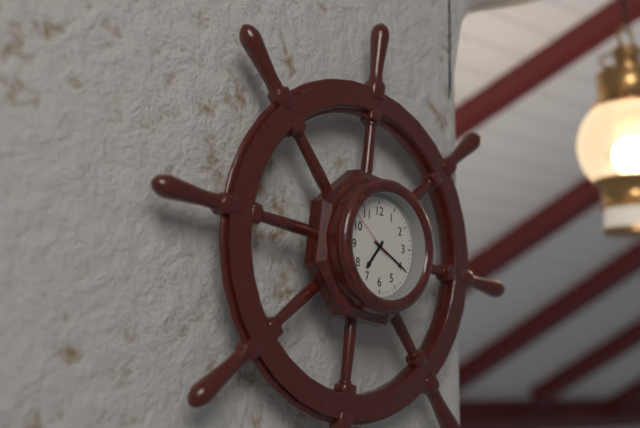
7:20:52
